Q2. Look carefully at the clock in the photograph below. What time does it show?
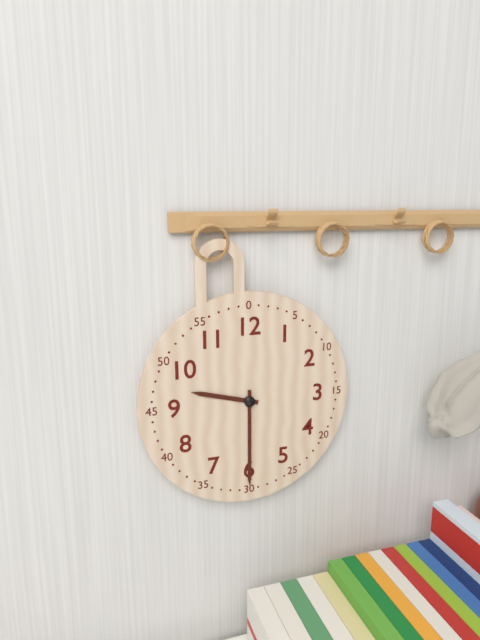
9:30
